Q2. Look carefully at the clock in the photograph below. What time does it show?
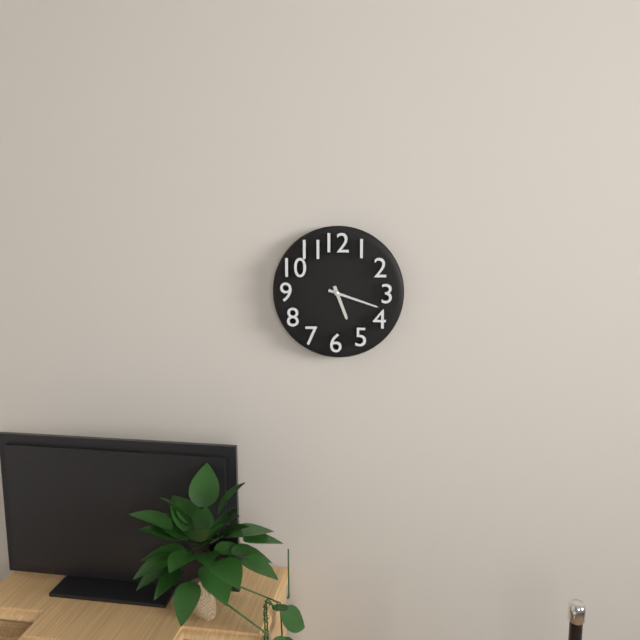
5:18
